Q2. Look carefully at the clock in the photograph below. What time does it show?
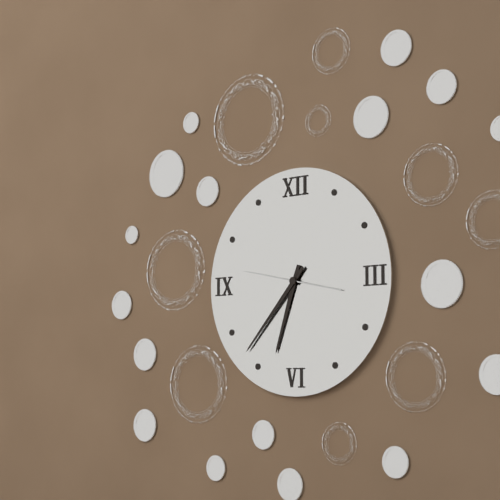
6:37:47
